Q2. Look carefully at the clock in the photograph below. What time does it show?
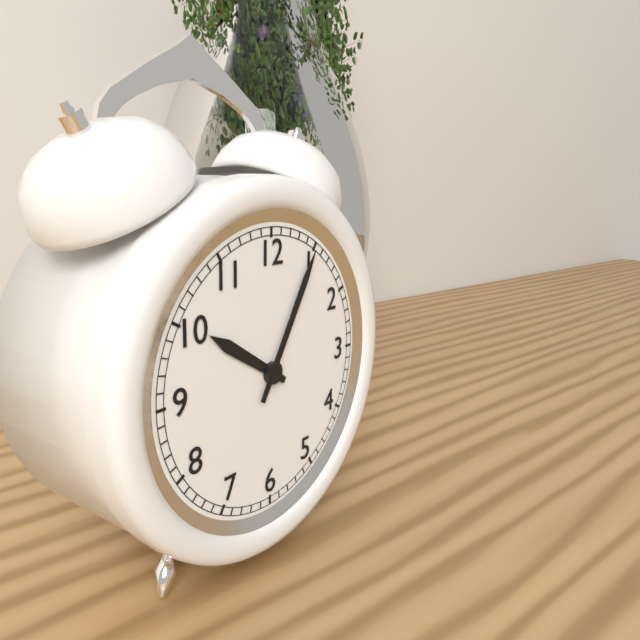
10:05
